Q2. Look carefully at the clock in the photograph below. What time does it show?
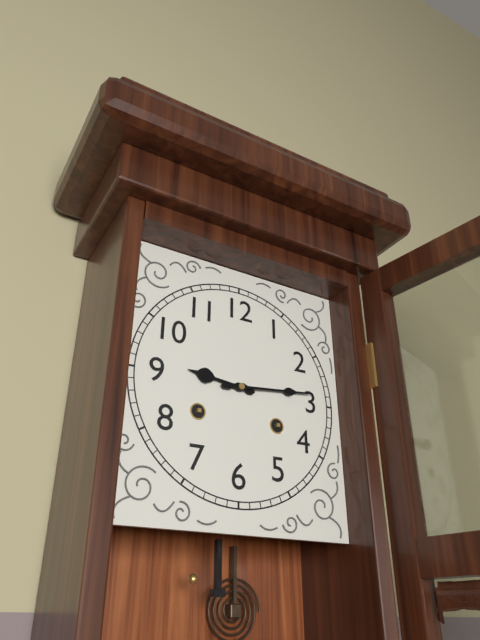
9:14
